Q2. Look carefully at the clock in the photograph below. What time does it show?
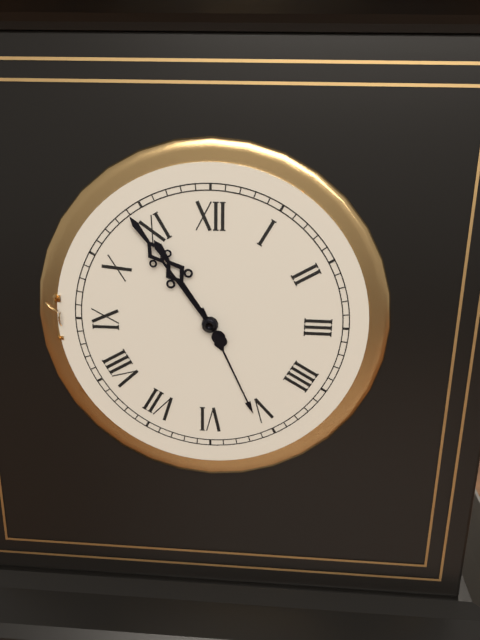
10:54
